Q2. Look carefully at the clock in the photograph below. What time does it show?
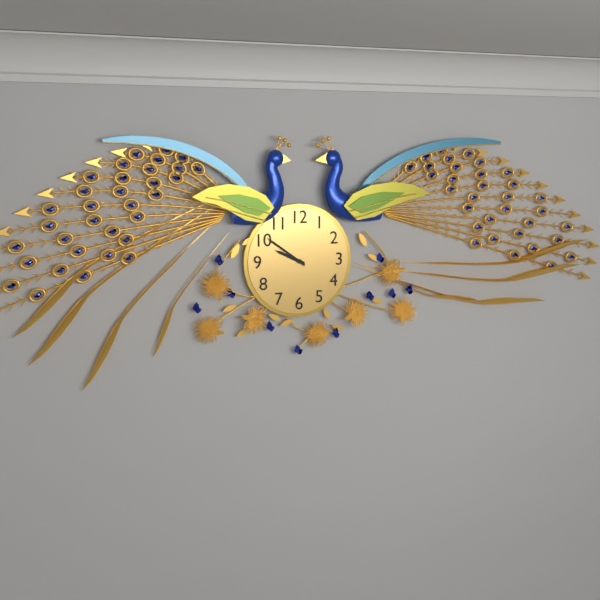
9:51
